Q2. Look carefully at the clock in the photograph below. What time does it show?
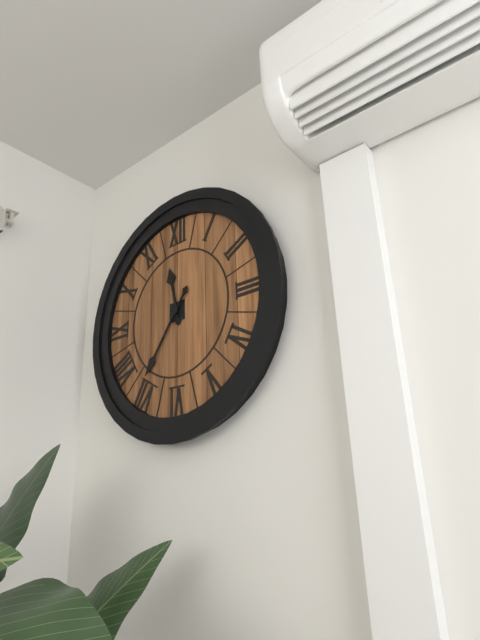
11:36
